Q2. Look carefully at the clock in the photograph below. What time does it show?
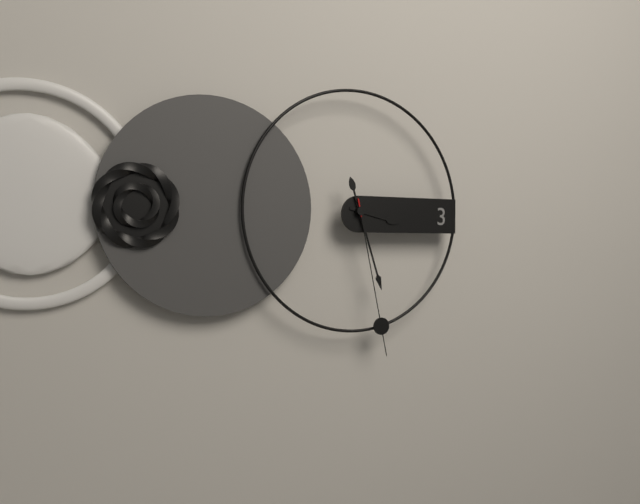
3:27:28
